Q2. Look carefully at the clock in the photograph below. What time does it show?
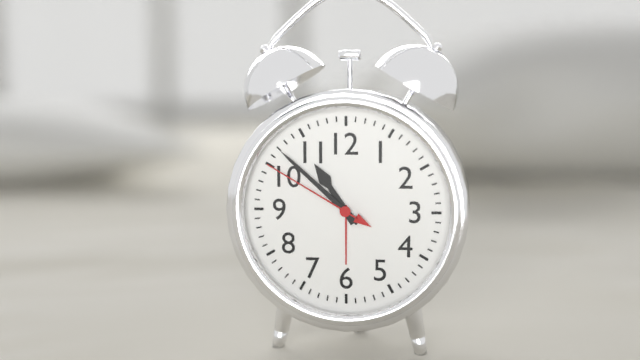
10:52:50
